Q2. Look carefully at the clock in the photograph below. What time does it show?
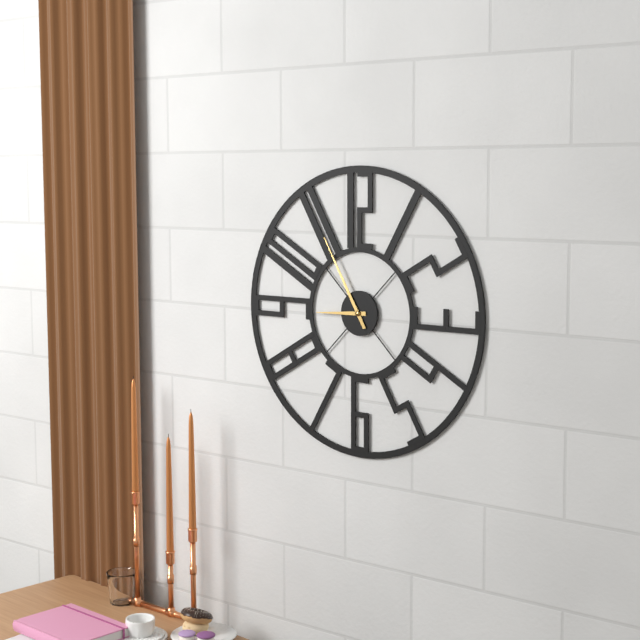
8:55
